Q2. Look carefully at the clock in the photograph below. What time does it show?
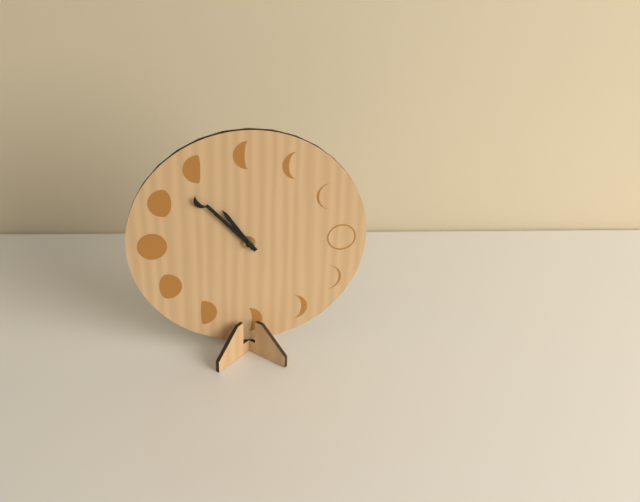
10:53
